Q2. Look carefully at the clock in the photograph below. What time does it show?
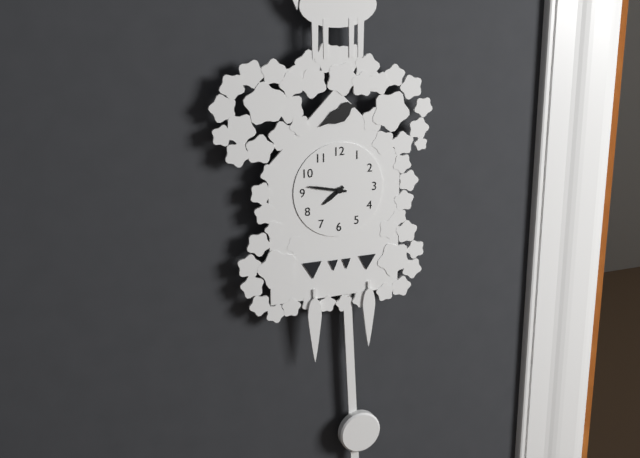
7:47
